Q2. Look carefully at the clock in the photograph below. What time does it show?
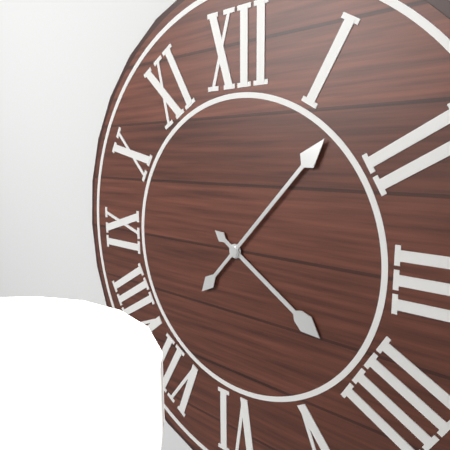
4:07
